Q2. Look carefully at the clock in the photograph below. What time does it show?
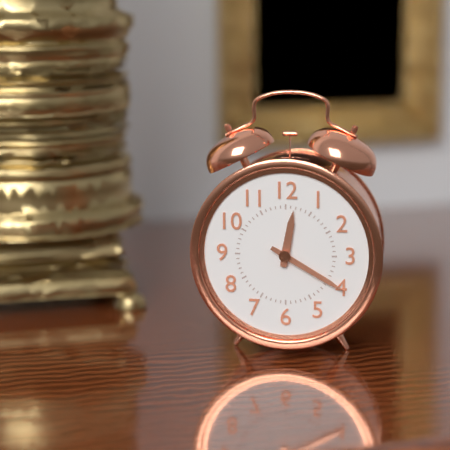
12:20
